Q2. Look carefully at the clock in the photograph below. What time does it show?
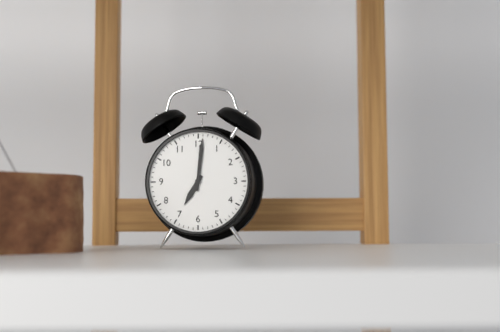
7:01
